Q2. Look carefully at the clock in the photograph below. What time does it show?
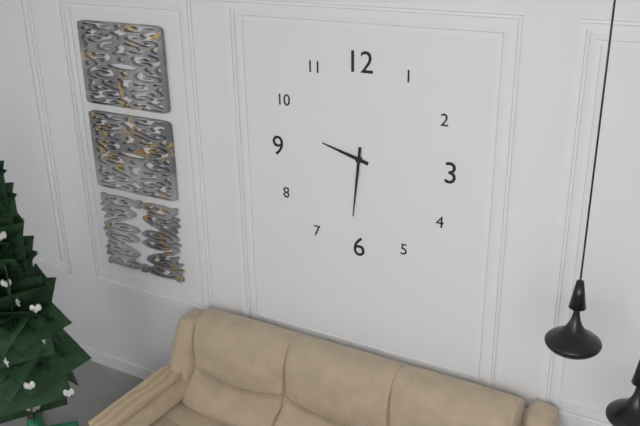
9:31
